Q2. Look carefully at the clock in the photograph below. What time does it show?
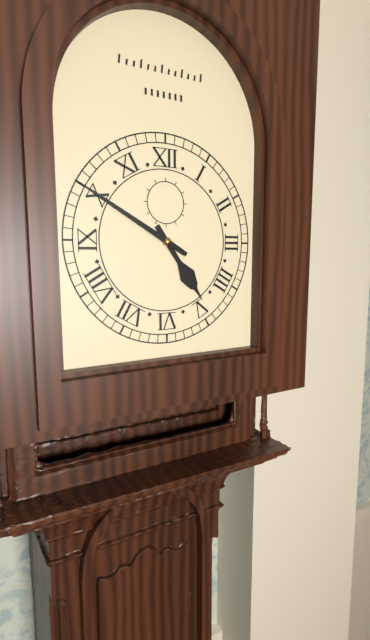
4:50
